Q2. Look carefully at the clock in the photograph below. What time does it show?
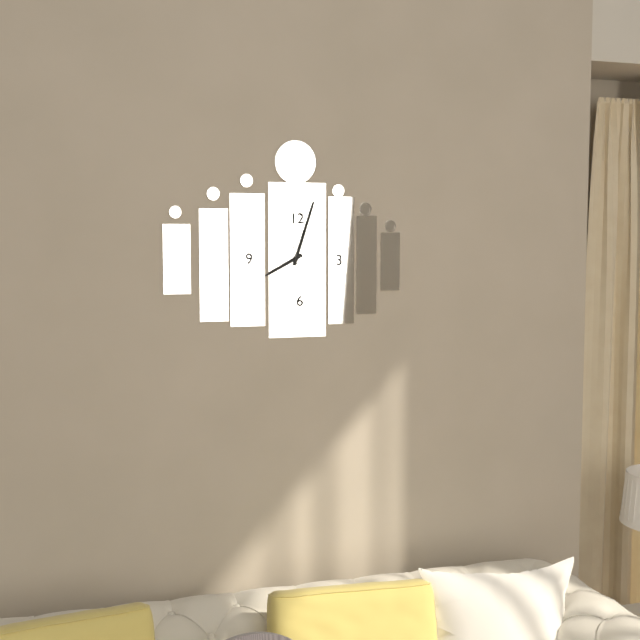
8:03:28
